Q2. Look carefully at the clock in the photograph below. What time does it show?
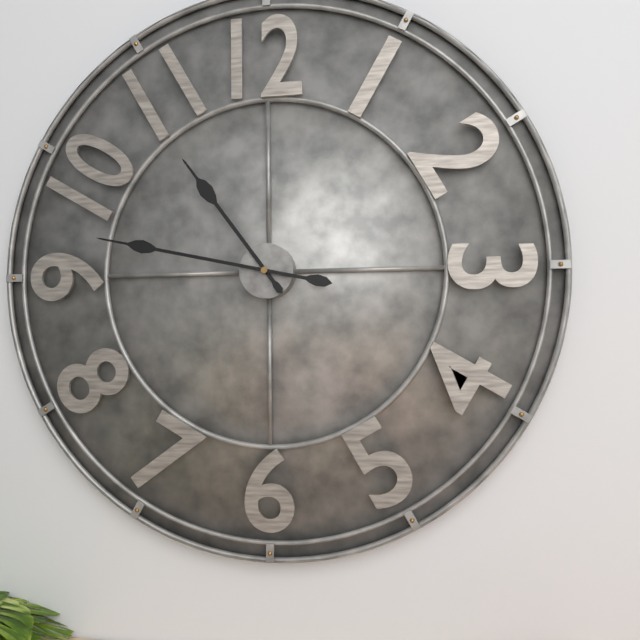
10:47
